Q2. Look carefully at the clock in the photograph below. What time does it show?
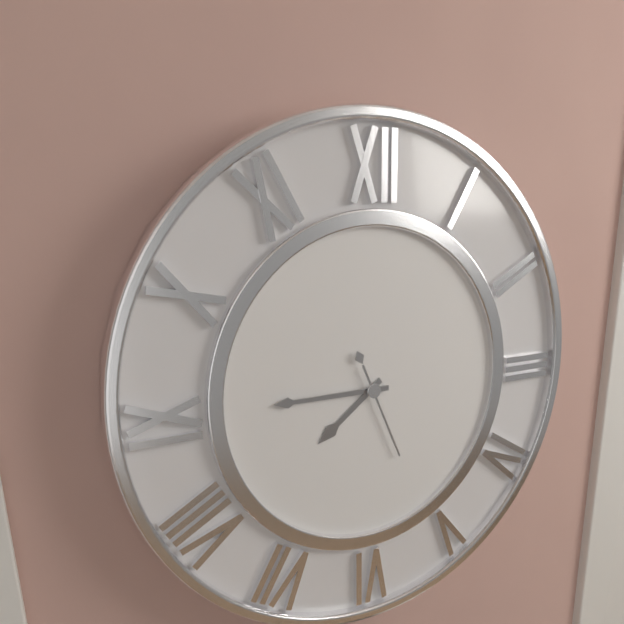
7:45:26
